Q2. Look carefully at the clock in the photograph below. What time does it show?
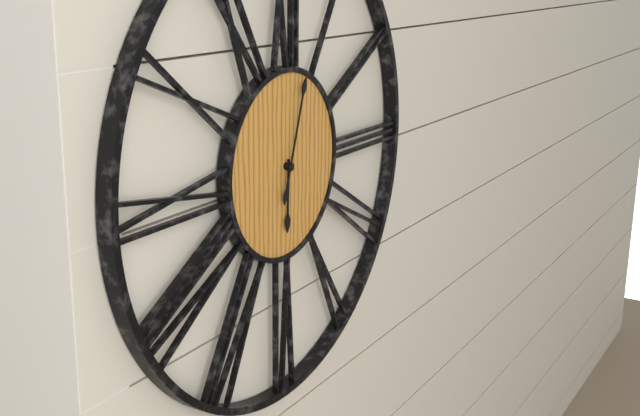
6:03
